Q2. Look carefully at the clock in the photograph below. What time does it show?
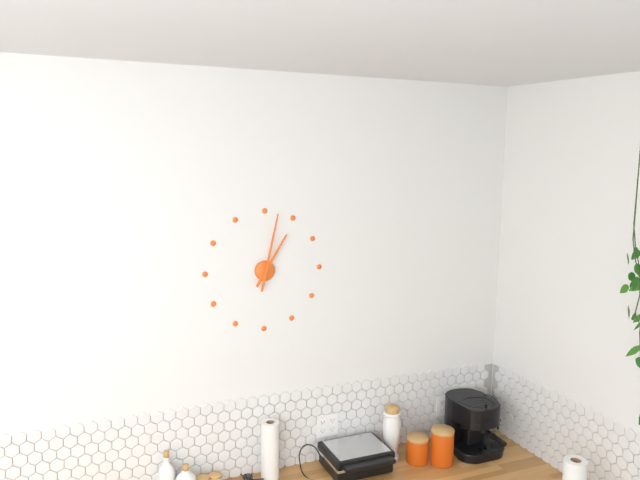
1:02
